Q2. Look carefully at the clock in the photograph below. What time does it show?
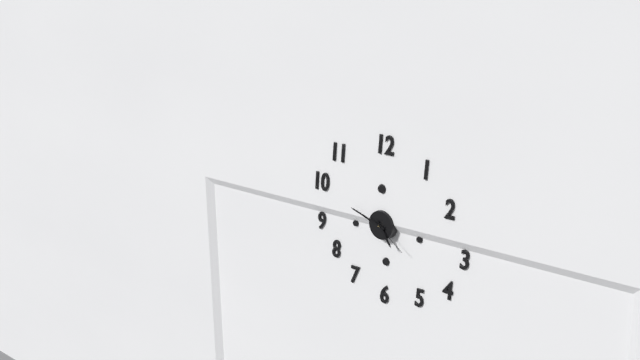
4:48
